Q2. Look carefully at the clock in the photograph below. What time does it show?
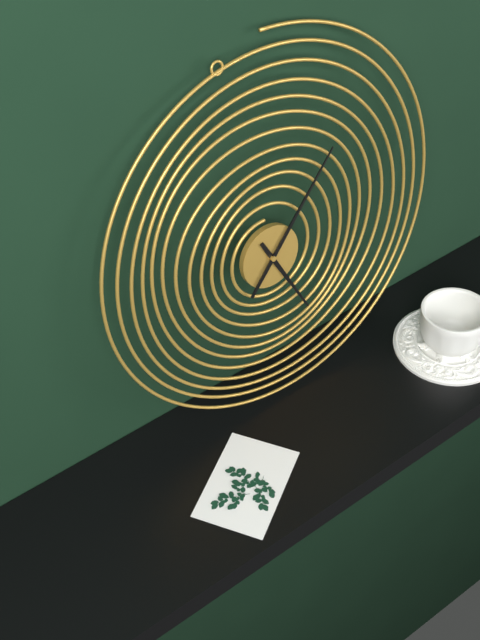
5:07
